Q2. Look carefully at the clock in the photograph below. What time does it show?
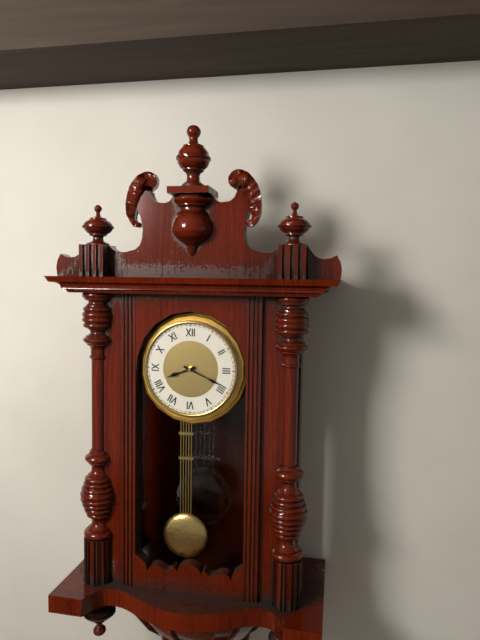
8:19
